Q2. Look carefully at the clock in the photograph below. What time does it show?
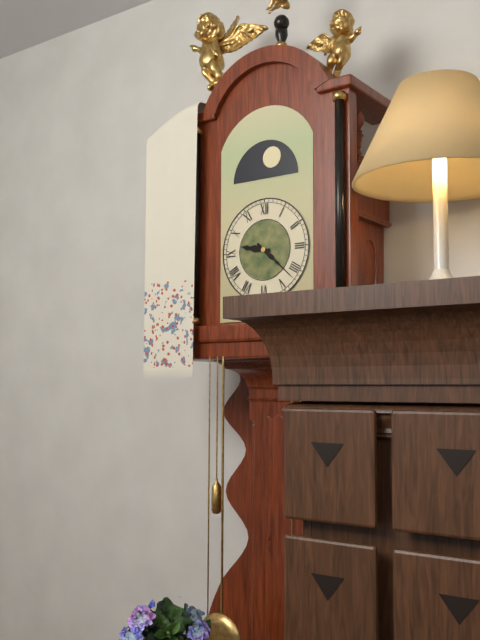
9:22
